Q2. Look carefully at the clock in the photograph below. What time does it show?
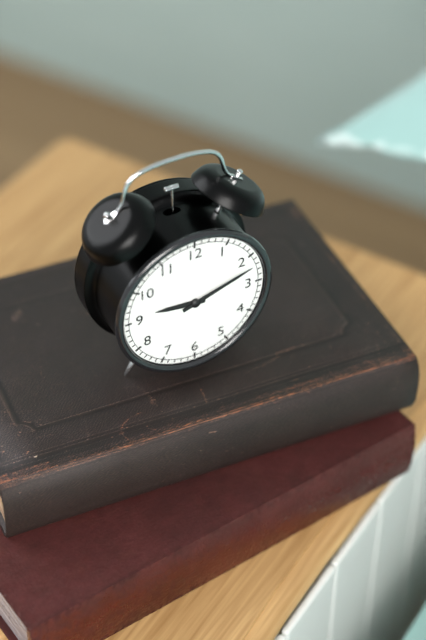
9:12
